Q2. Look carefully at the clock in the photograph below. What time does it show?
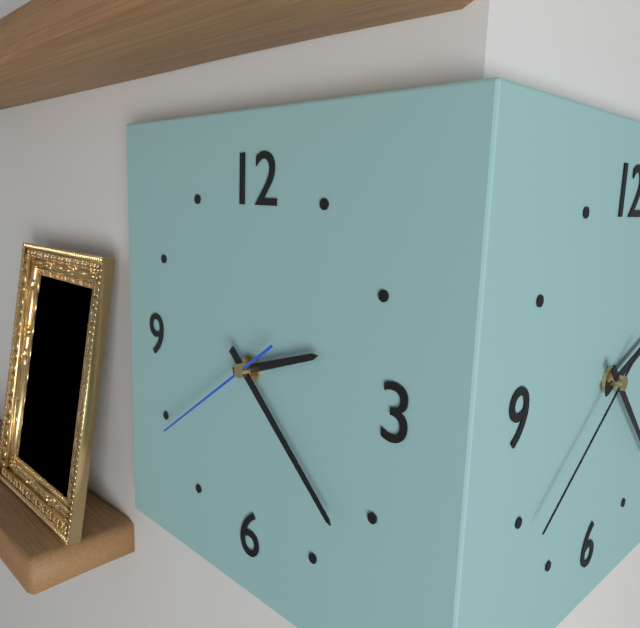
2:22:39
